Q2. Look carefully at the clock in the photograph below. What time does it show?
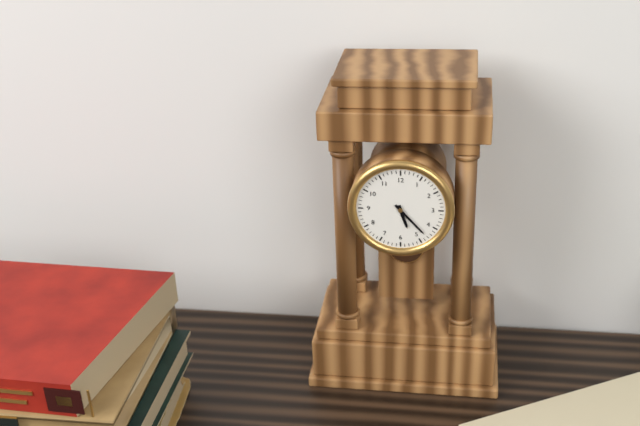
5:23
